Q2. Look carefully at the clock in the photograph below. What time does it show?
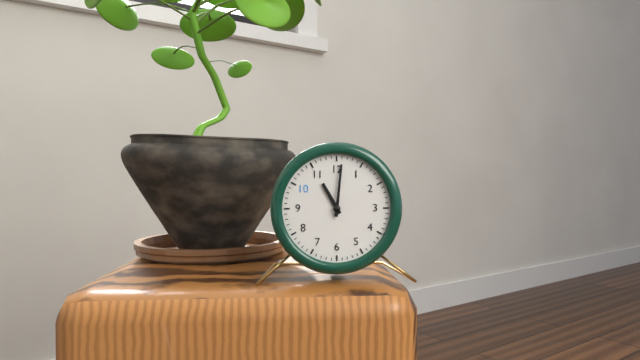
11:01
